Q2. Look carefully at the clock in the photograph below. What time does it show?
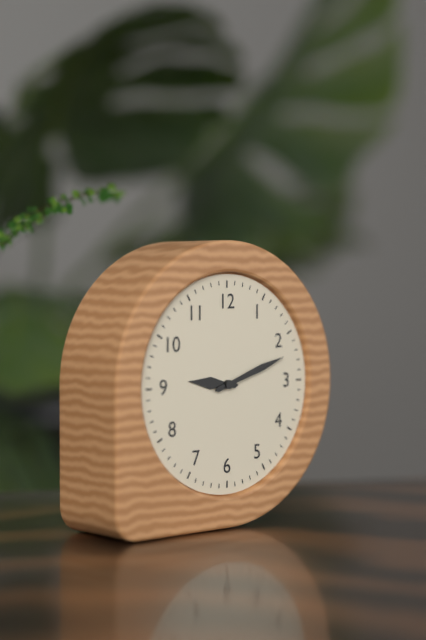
9:12
